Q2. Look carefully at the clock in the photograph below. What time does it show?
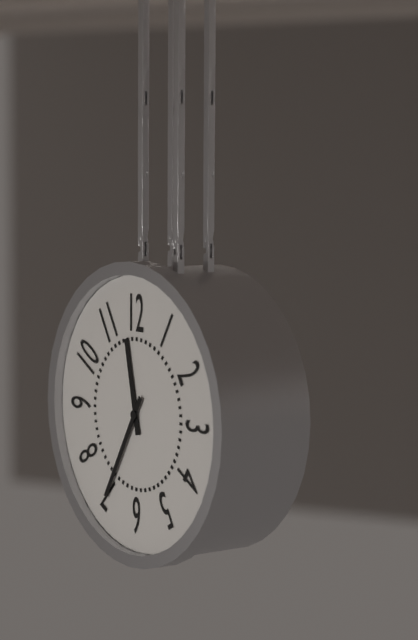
11:35
